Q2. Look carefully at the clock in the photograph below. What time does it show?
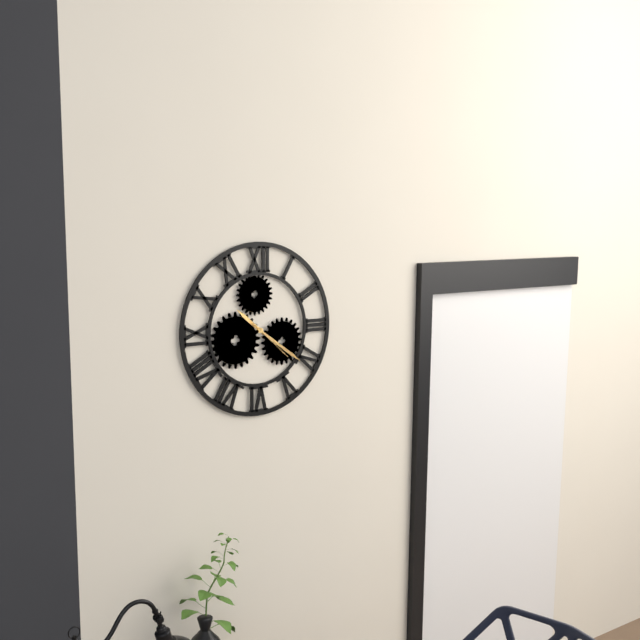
10:21
